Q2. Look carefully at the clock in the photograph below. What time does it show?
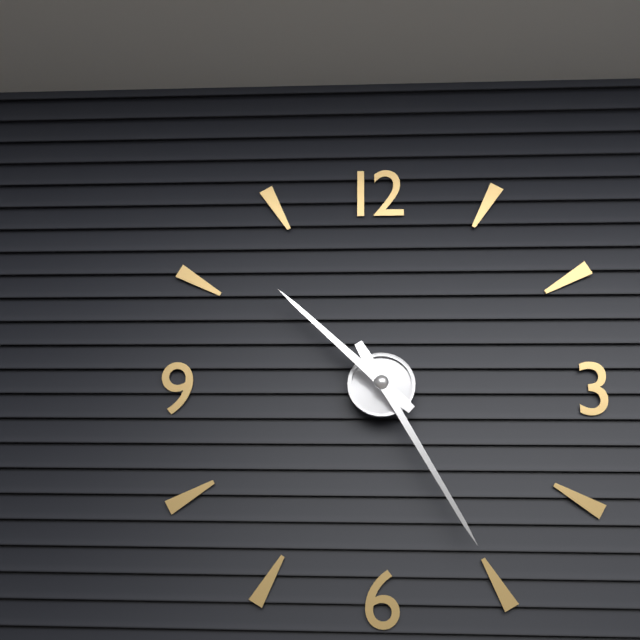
10:25
